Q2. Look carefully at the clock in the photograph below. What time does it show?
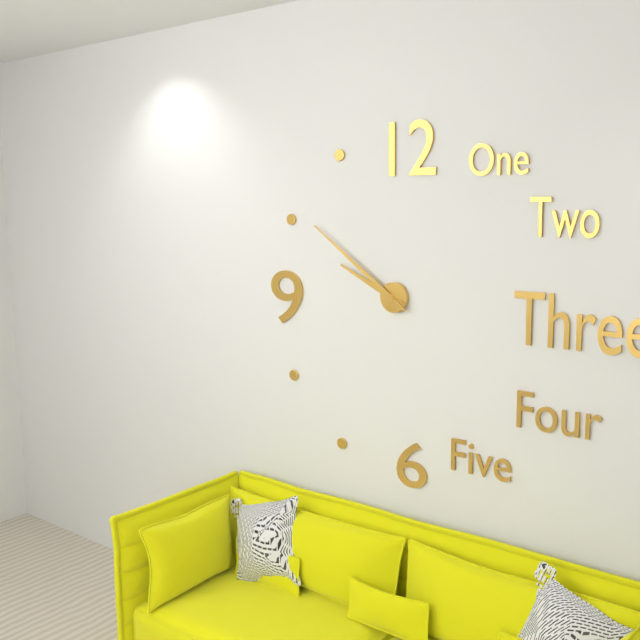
9:51
